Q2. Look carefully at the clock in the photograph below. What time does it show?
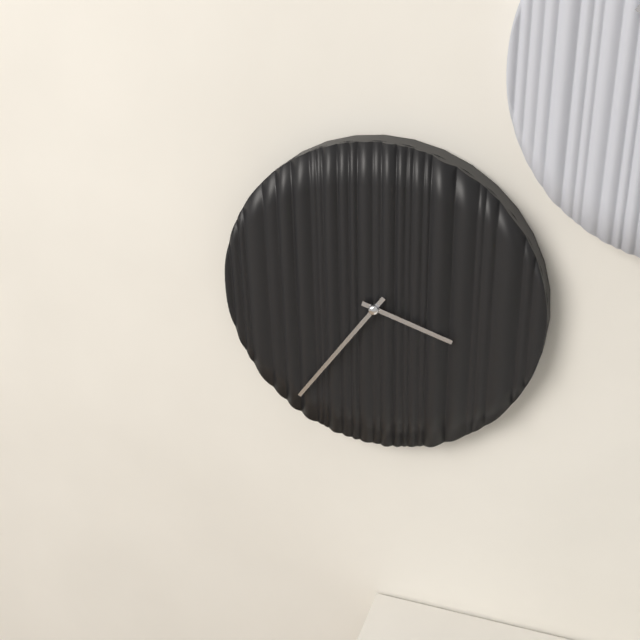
3:36
